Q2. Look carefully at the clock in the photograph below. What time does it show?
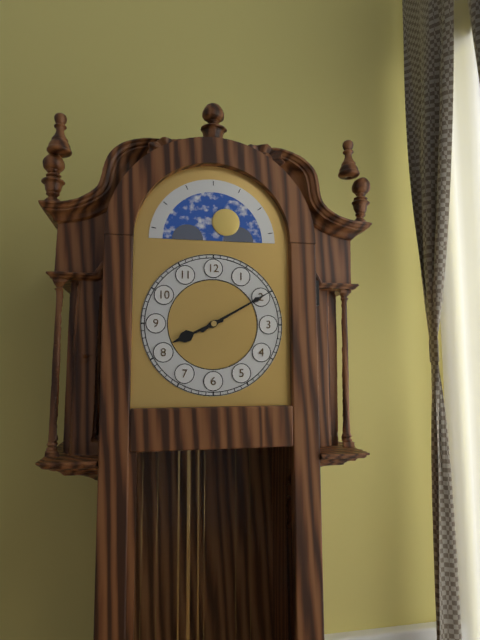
8:10
